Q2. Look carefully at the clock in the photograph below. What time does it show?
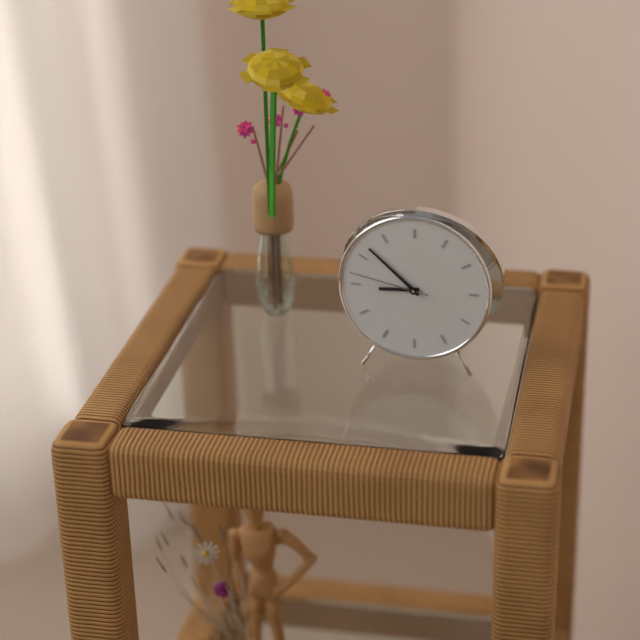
8:52:47
